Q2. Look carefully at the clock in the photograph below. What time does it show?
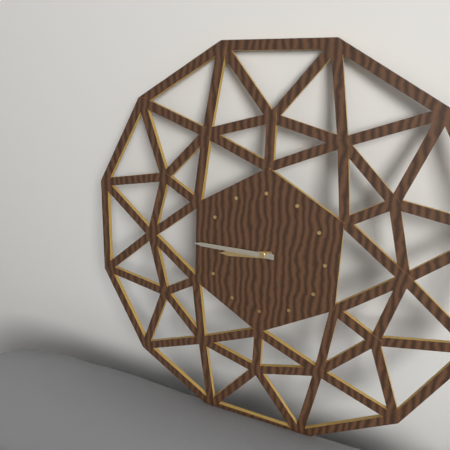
8:45
